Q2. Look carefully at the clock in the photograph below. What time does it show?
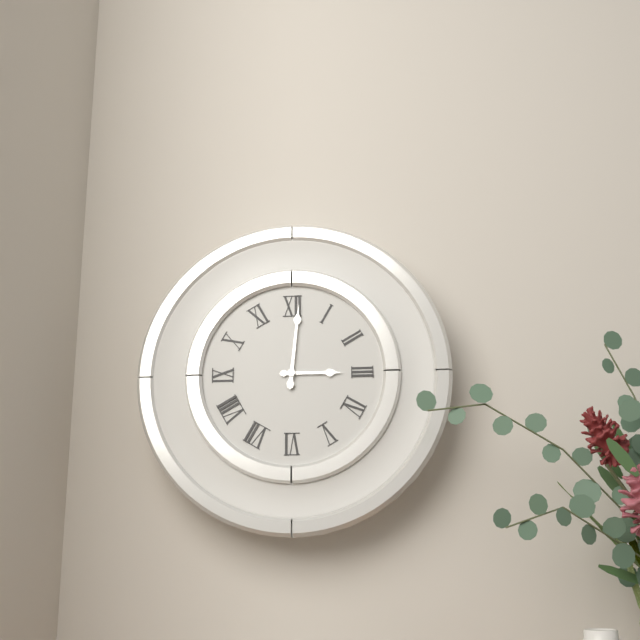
3:01
